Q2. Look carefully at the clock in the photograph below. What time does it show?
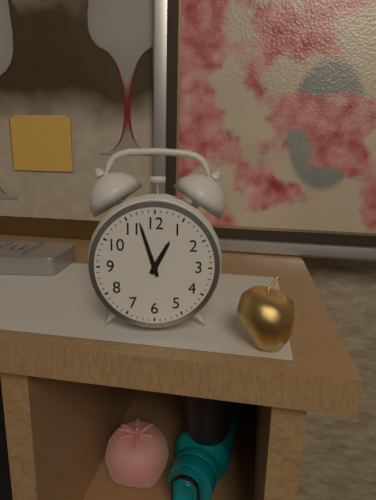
12:57
